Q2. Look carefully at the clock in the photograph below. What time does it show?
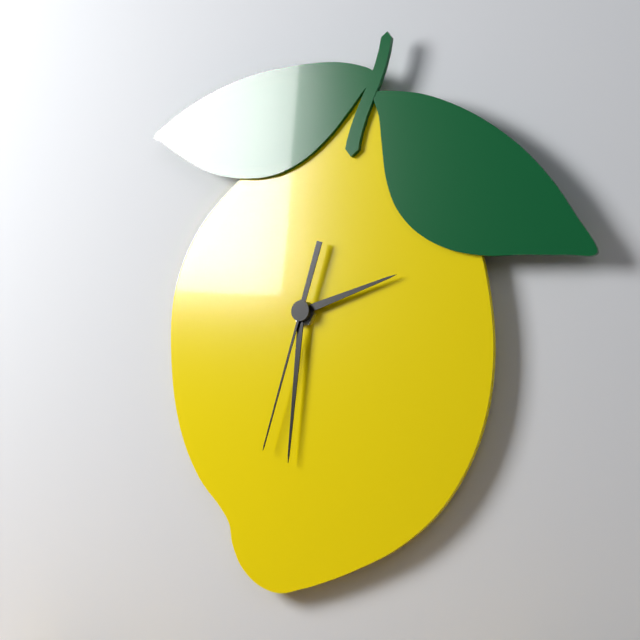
2:31:33
